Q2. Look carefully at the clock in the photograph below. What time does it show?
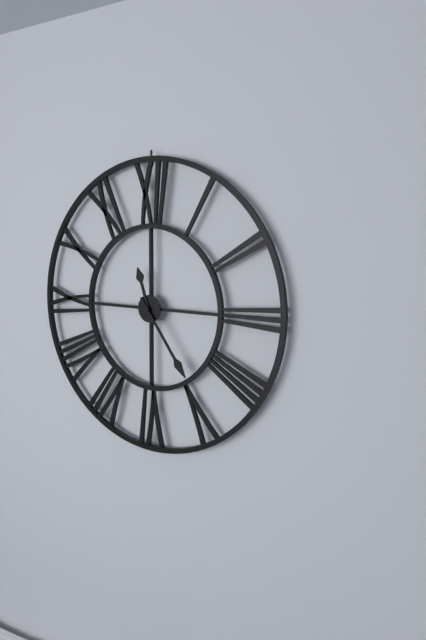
11:24
